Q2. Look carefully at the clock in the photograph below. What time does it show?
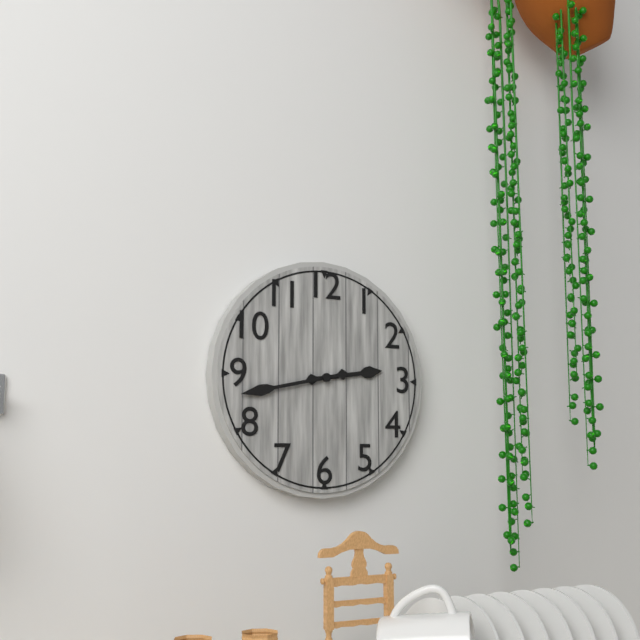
2:43
